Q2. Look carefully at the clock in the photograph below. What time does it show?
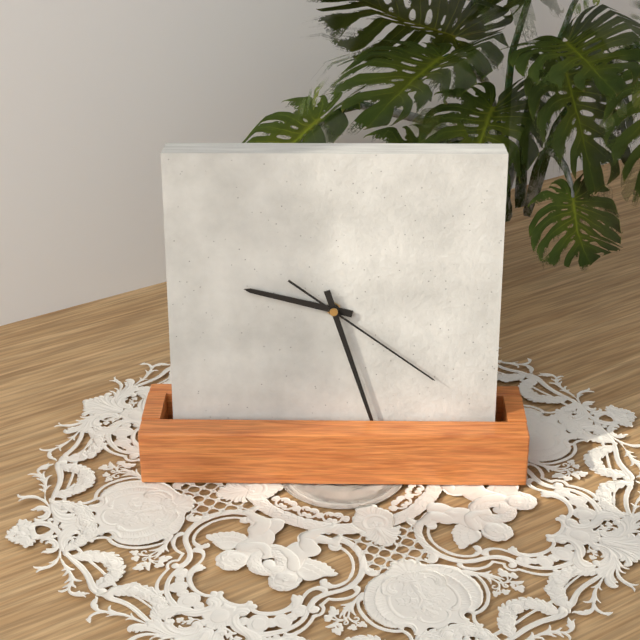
9:27:21
